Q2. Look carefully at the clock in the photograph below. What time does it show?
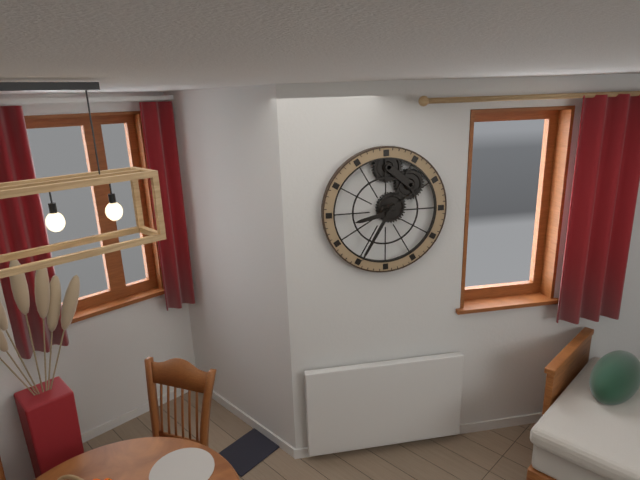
8:35
